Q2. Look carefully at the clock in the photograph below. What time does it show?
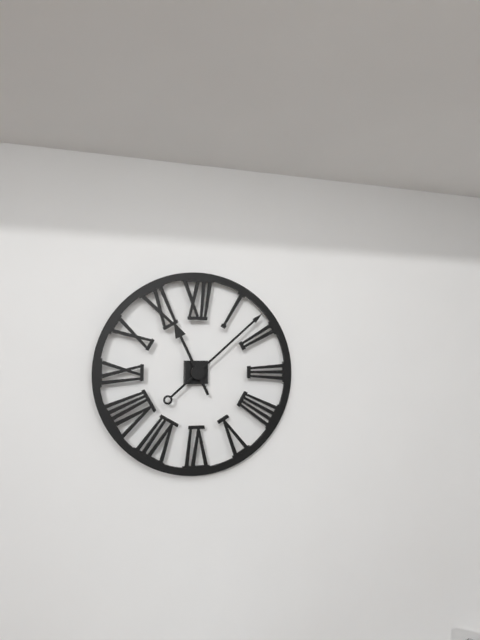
11:08
